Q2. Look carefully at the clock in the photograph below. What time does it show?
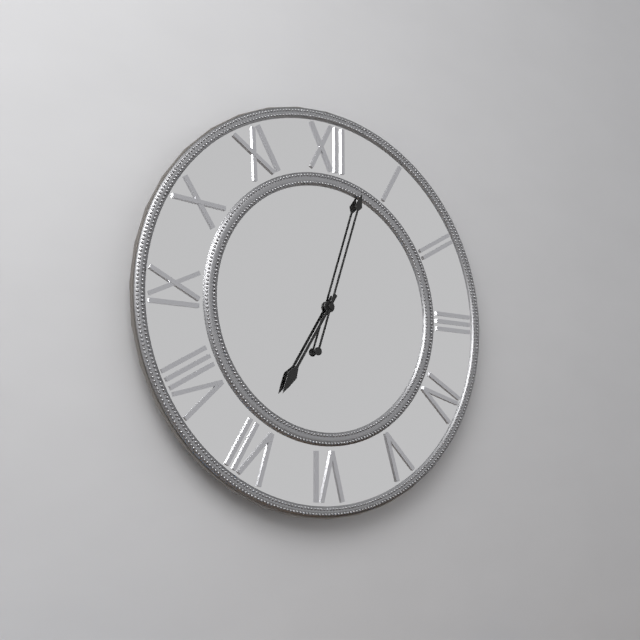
7:03
